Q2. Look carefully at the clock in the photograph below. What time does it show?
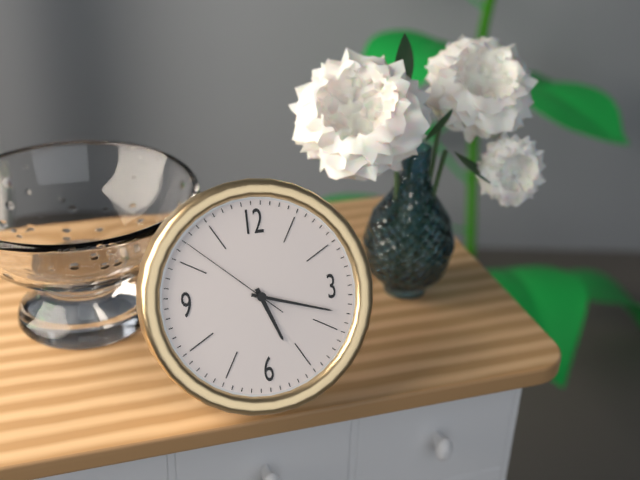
5:18:52
